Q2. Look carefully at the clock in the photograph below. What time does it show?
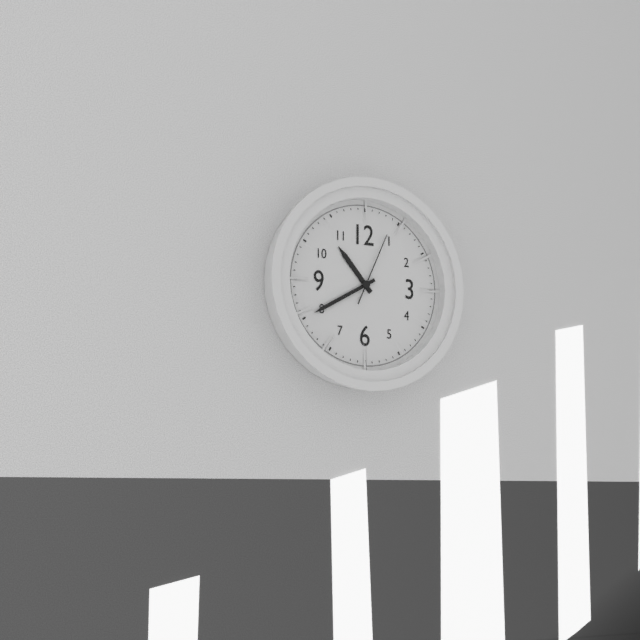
10:40:04
